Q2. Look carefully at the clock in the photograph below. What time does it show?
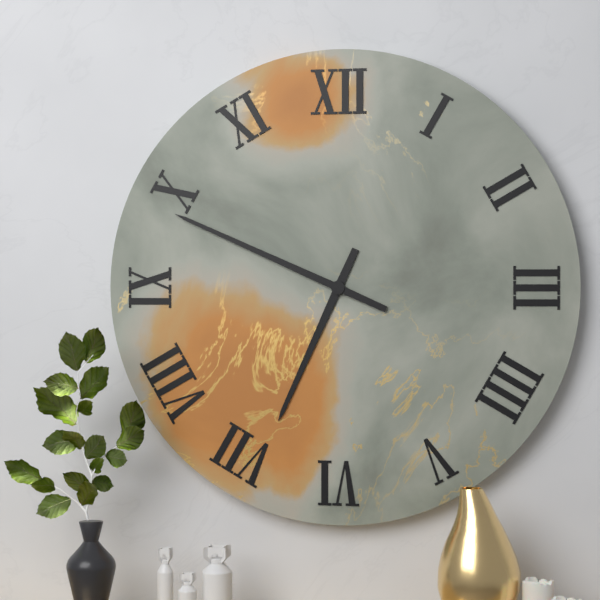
6:49
